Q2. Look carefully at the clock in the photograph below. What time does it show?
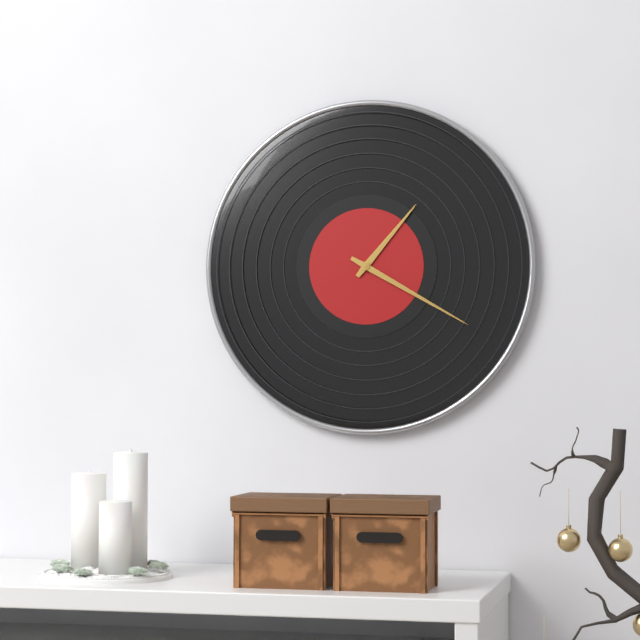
1:20
